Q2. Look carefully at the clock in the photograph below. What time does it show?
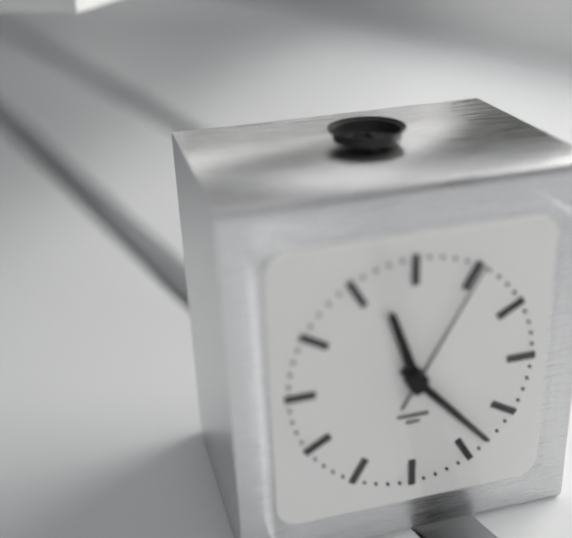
11:23:05
